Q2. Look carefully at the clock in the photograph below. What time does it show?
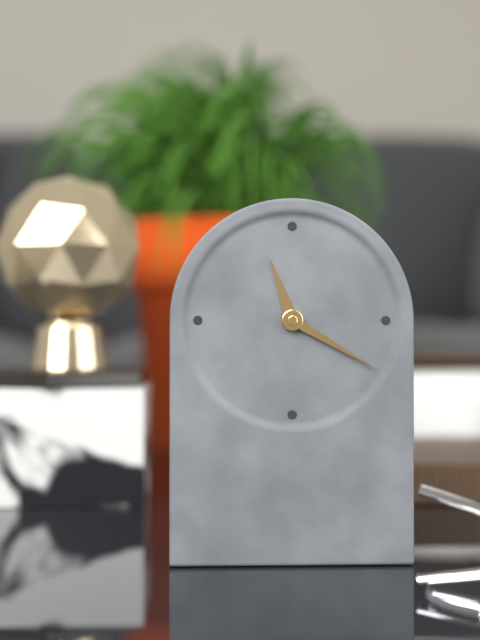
11:20
